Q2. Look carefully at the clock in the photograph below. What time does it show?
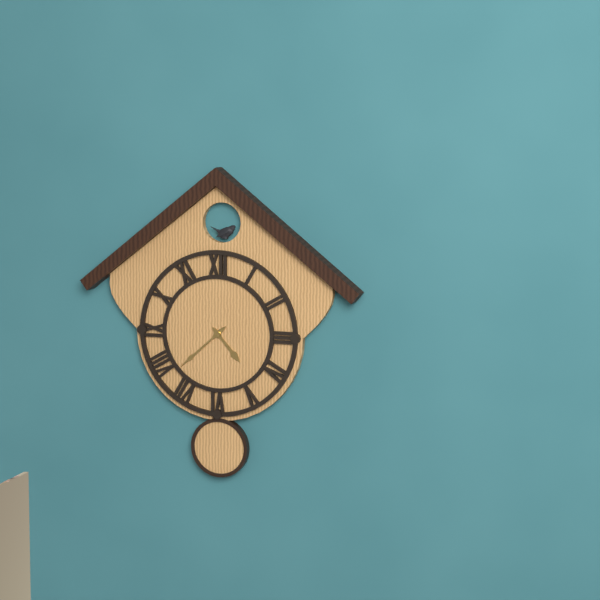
4:38
